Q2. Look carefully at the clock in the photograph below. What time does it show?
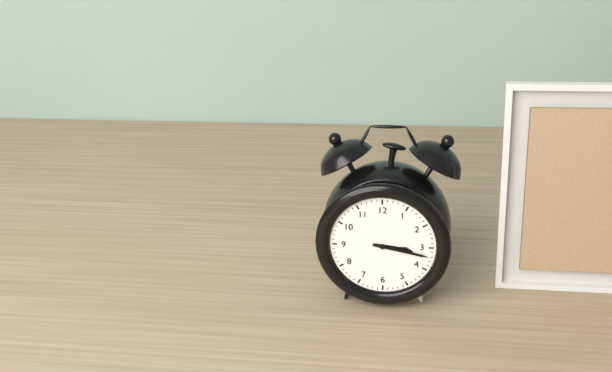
3:17
